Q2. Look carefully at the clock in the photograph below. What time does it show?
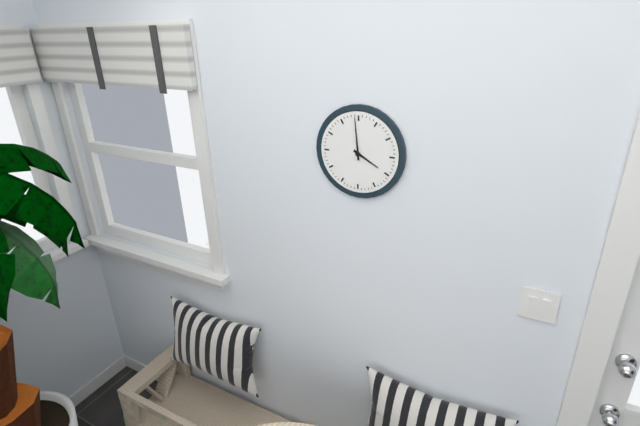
3:59
